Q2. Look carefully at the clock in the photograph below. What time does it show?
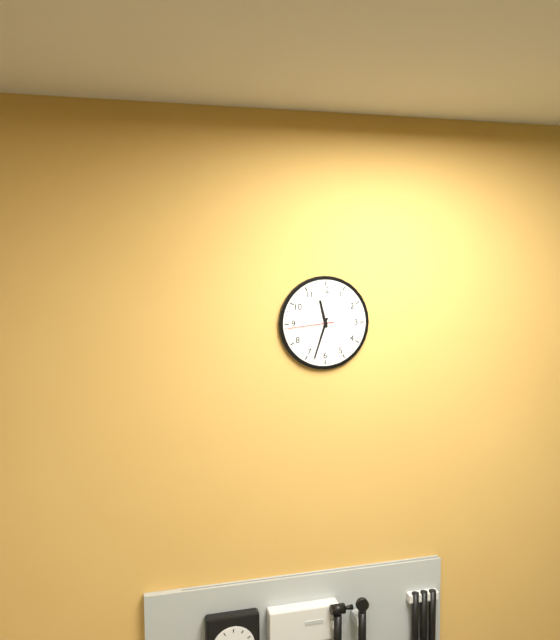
11:33
